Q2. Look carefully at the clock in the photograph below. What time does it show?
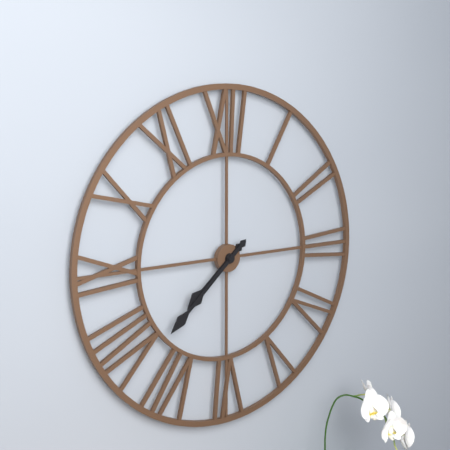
7:38
